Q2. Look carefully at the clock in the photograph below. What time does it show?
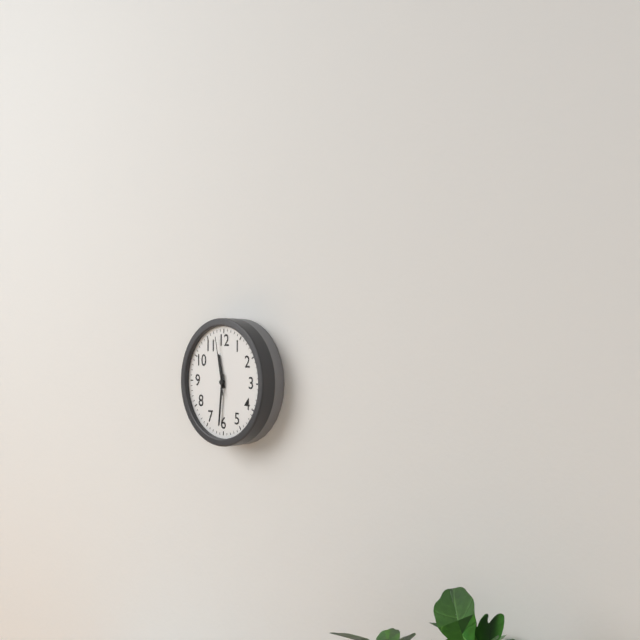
11:31:58
